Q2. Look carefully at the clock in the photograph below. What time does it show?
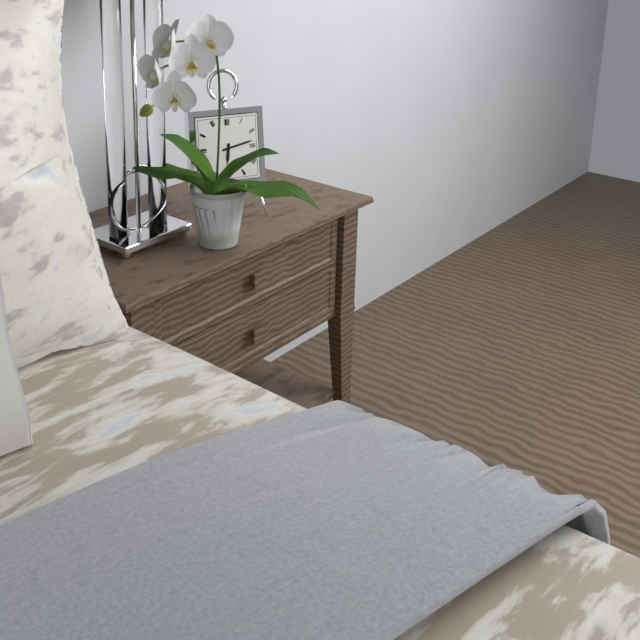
6:13
